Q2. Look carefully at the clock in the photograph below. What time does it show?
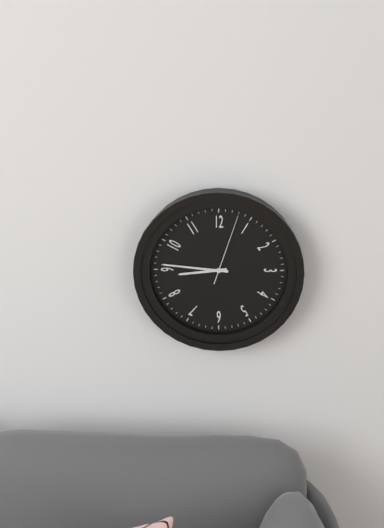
8:46:03
